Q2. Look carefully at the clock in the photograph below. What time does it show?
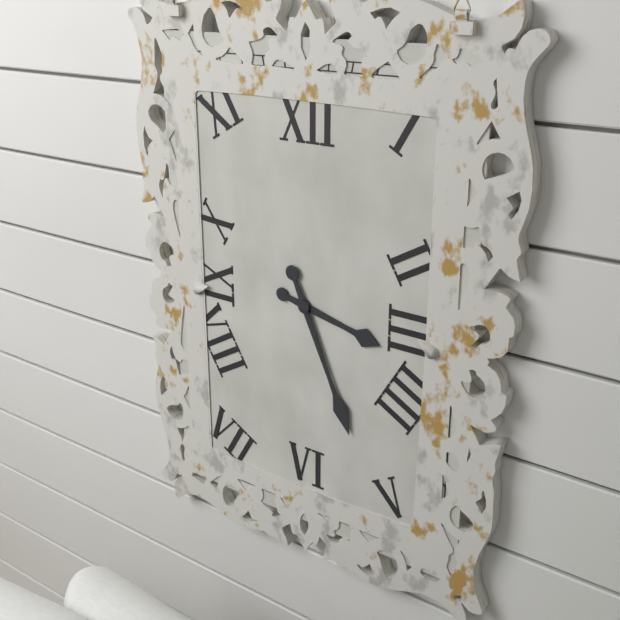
3:26
